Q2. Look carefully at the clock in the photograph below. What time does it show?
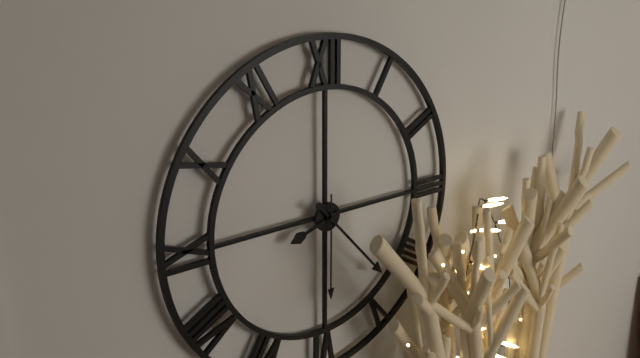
8:23:30
